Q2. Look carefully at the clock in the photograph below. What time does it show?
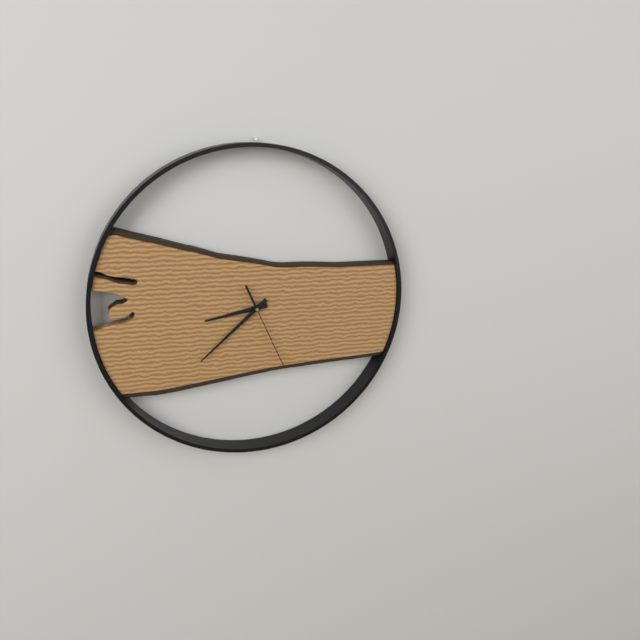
8:38:26
